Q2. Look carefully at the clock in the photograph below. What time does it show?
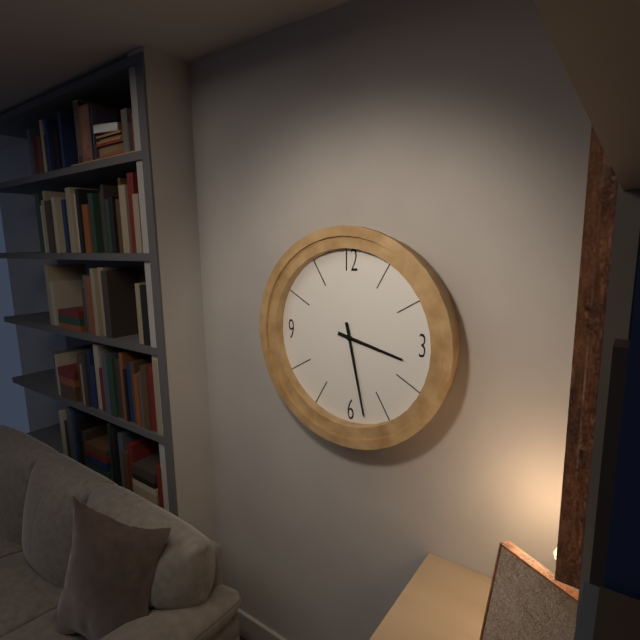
3:28
